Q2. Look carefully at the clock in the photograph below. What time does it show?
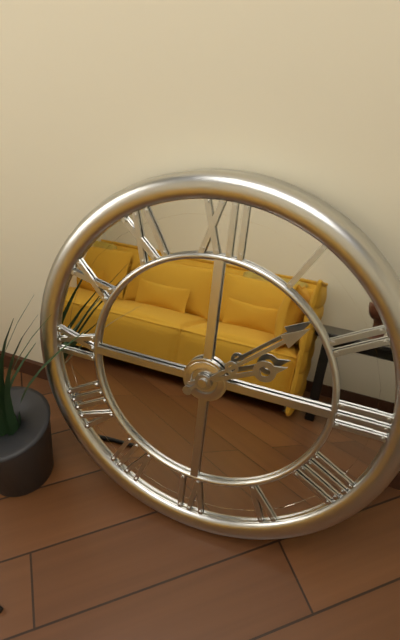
2:08
